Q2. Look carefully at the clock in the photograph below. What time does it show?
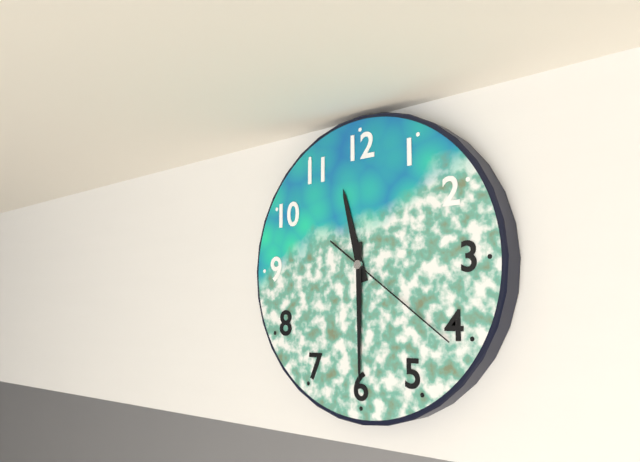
11:30:21
